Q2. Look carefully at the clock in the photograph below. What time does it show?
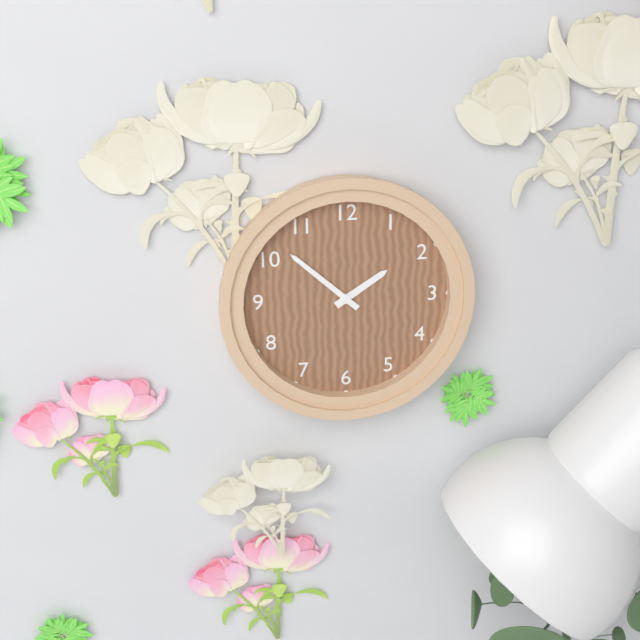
1:52
